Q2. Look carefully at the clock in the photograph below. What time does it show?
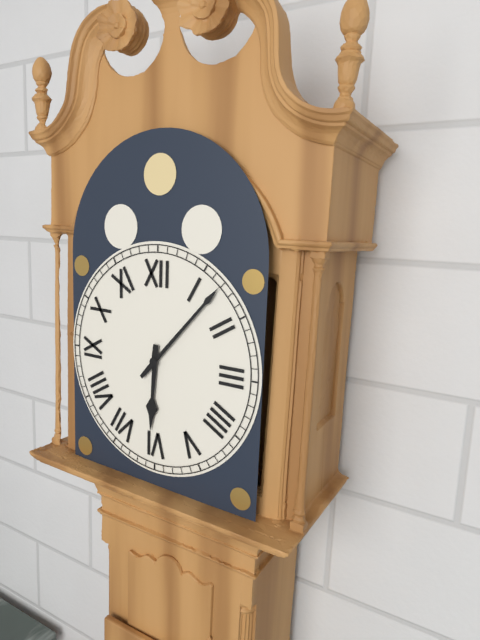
6:07
